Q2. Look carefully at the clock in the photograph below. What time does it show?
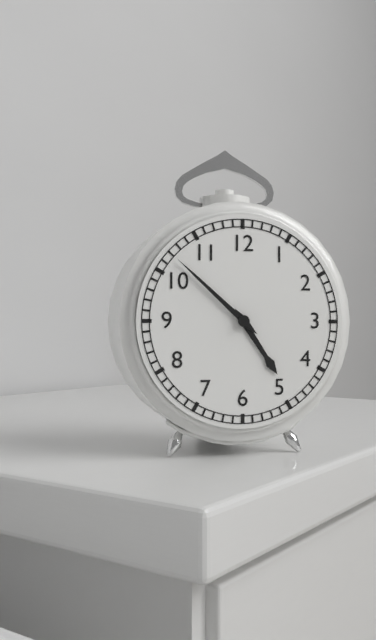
4:52
